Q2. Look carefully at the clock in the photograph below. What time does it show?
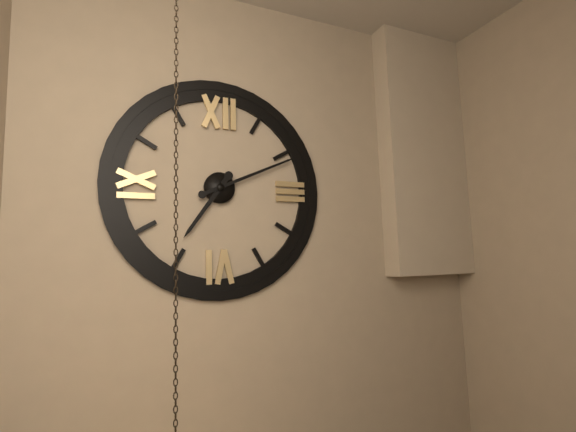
7:11
